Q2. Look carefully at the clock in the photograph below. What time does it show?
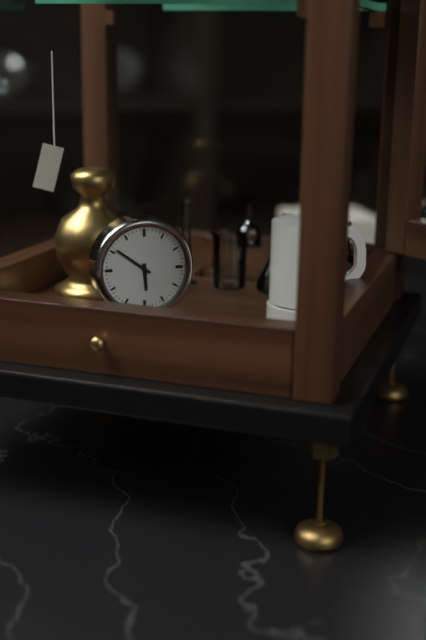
5:51
